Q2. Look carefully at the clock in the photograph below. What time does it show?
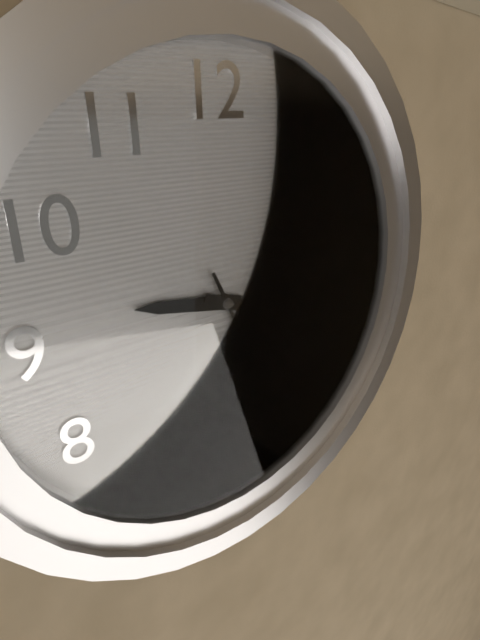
9:19:26
